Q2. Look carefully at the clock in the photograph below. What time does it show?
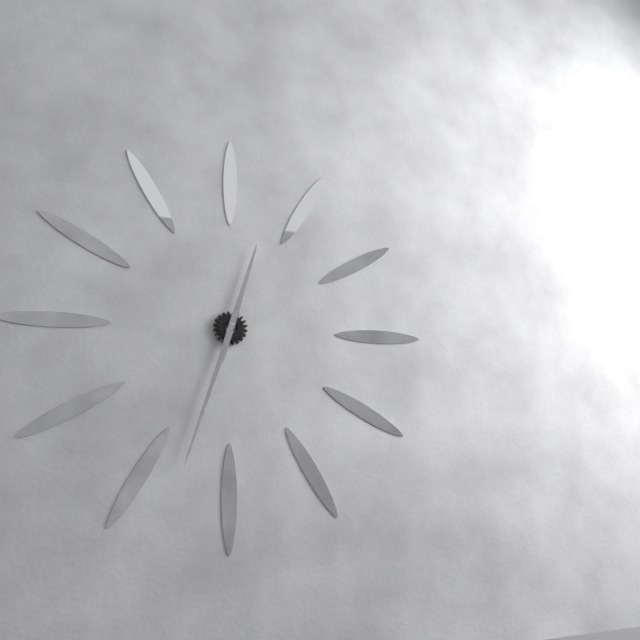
12:33
